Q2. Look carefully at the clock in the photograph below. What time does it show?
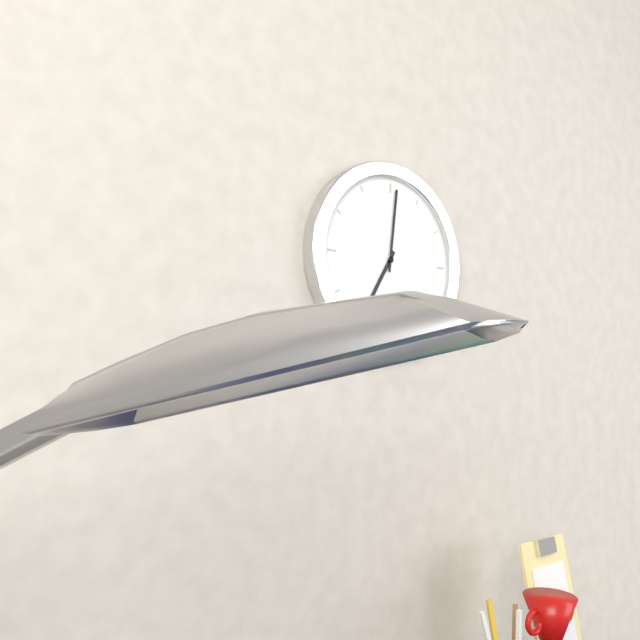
7:01
